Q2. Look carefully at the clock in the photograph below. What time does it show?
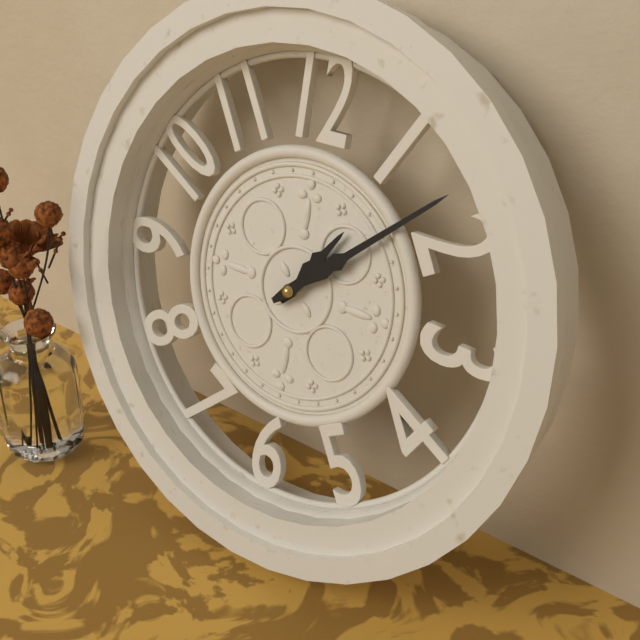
1:08
